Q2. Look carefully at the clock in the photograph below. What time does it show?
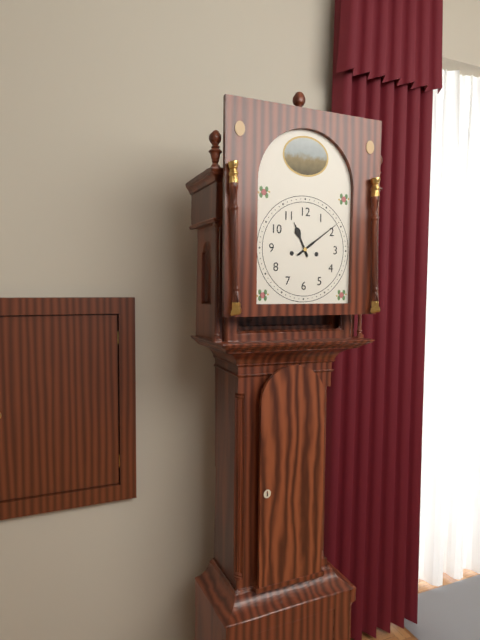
11:09
